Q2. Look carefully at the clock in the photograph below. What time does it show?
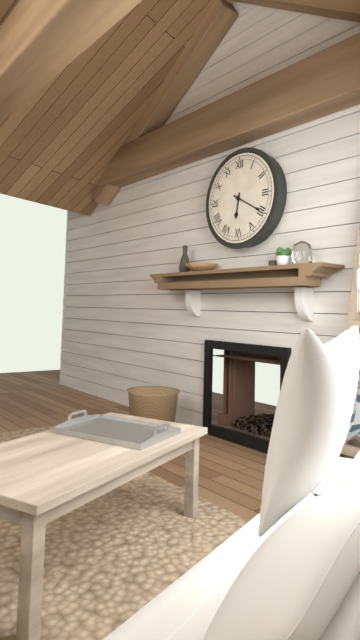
6:20
